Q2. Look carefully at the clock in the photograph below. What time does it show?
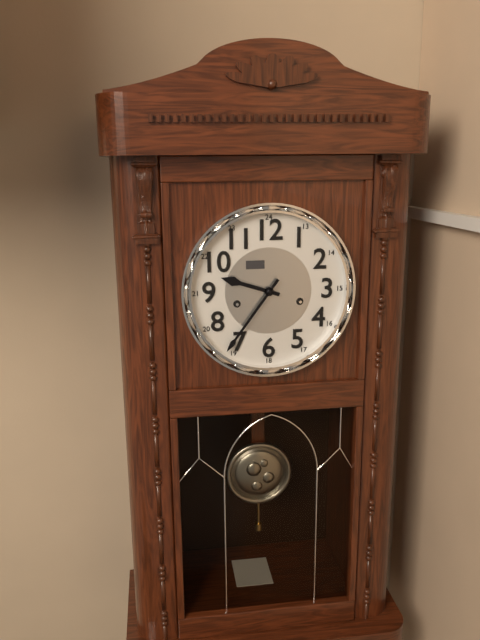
9:36
